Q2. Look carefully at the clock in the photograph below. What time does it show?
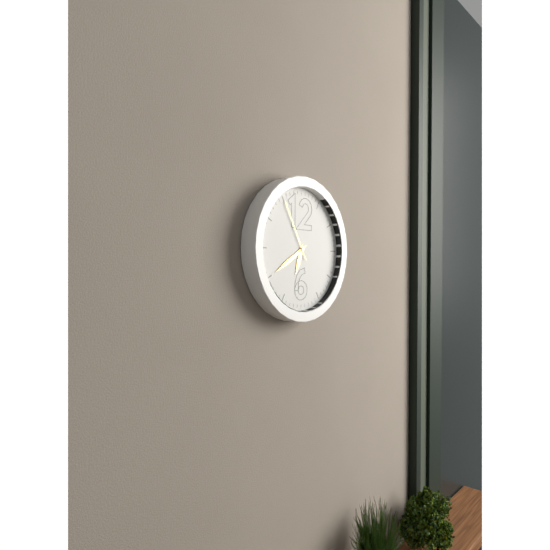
6:40:55
